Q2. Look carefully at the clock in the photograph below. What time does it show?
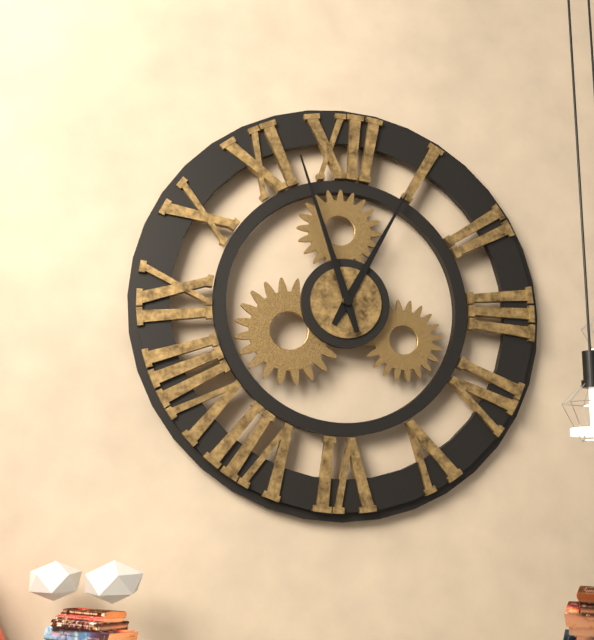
12:57
